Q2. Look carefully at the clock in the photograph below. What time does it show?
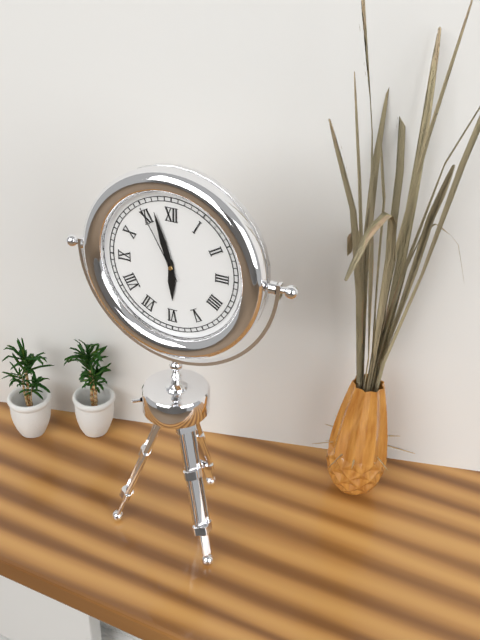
5:57:55
